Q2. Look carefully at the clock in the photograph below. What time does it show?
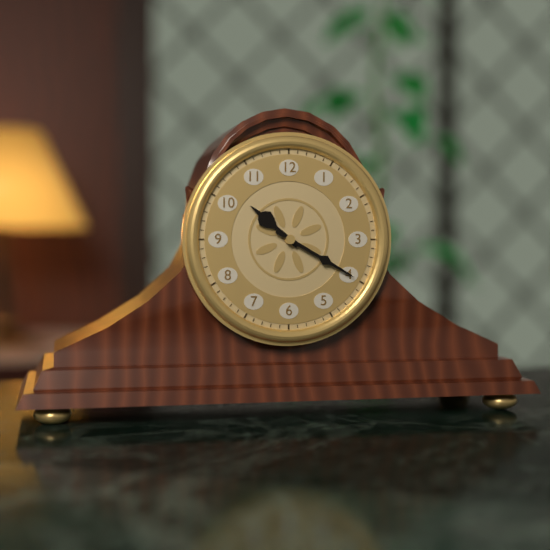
10:20
